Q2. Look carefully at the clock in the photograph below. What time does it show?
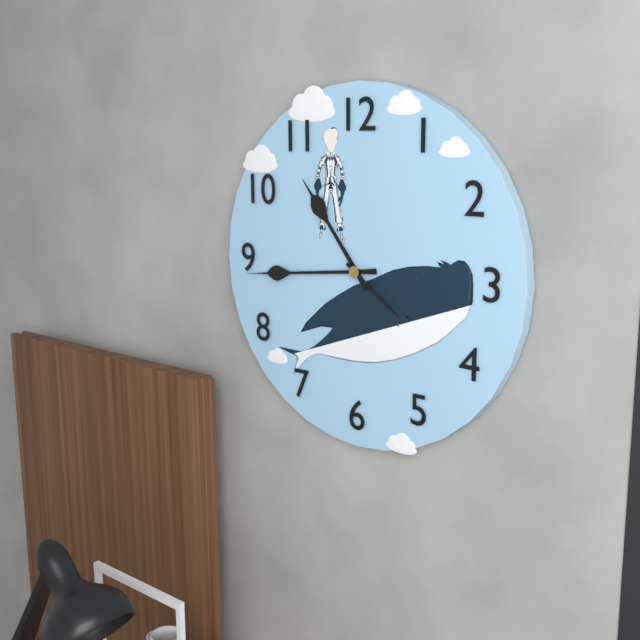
10:44:21
